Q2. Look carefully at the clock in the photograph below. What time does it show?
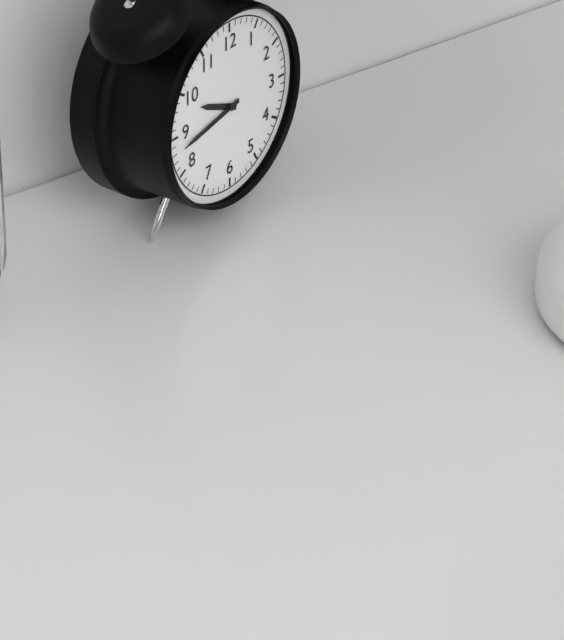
9:43
